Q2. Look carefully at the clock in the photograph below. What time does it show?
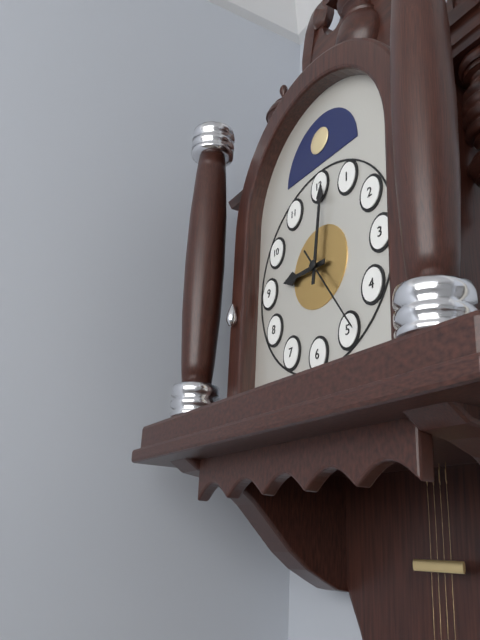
9:01:24
